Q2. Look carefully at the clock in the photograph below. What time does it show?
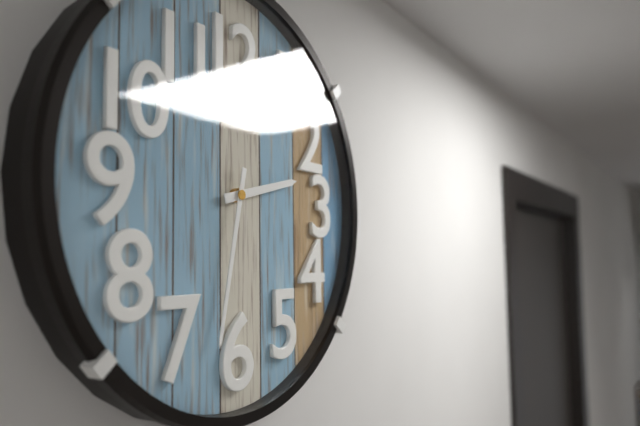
2:32
